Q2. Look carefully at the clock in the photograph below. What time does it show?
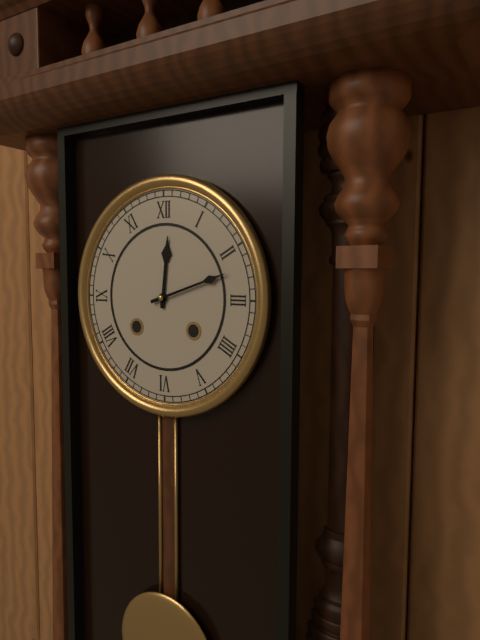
12:12
